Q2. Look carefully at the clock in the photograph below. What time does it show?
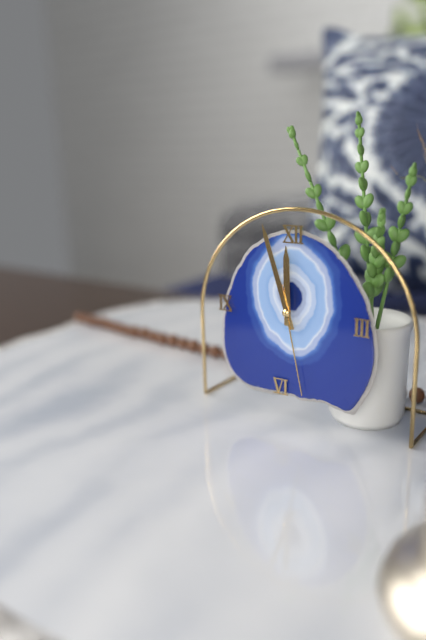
11:57:28
